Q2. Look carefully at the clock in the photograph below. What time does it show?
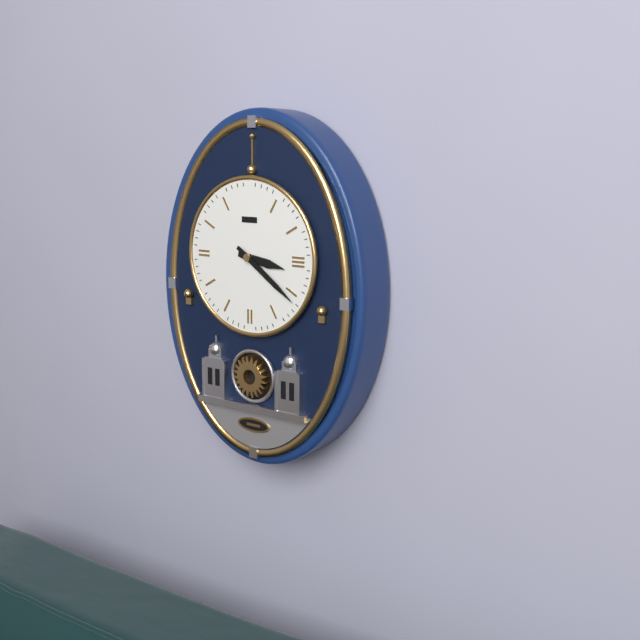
3:21
